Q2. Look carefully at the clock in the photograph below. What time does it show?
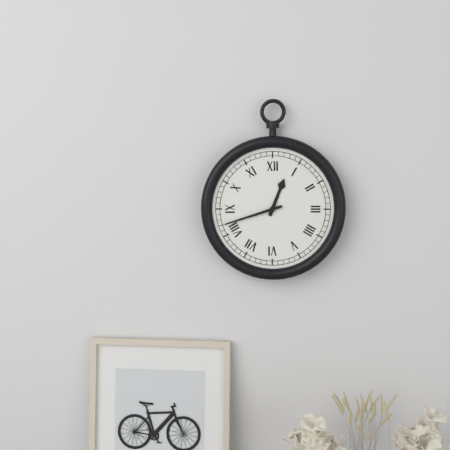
12:42
